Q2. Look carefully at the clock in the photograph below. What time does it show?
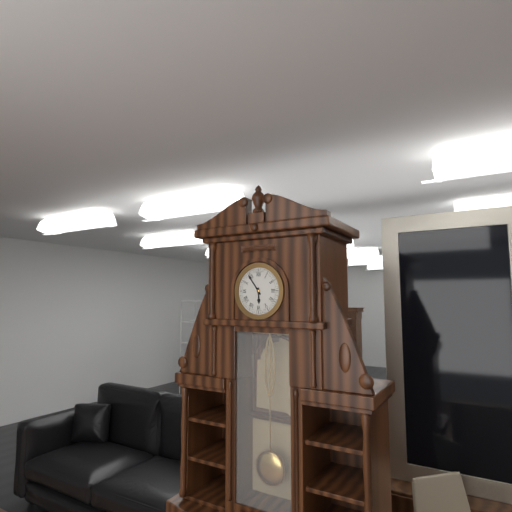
5:54
